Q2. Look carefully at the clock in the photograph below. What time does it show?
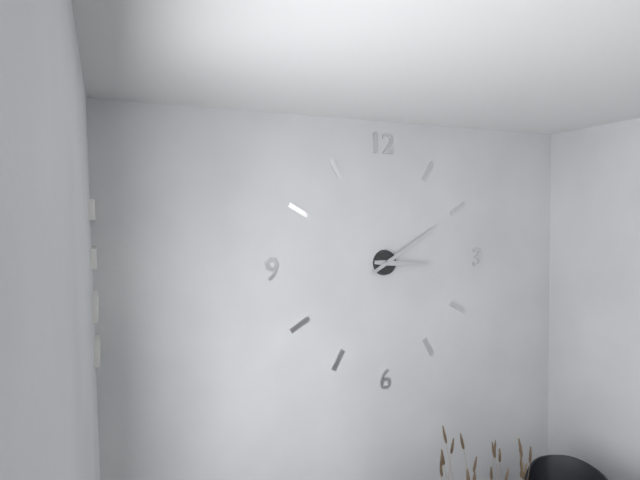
3:10
